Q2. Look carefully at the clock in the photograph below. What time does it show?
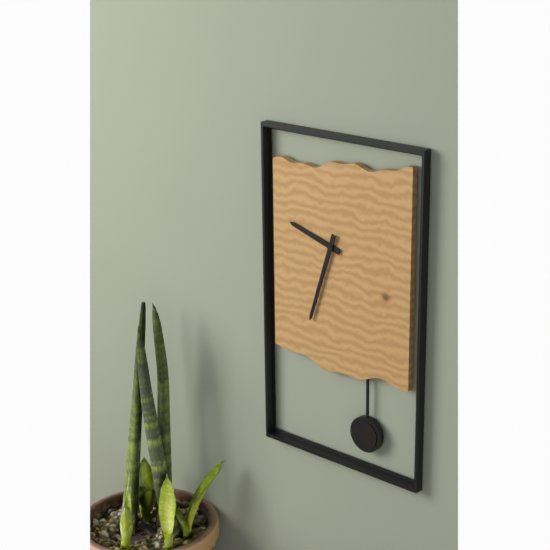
9:33
